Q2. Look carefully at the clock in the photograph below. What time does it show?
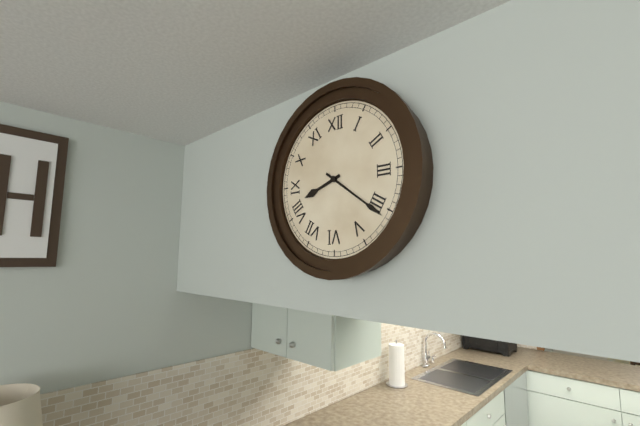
8:21
